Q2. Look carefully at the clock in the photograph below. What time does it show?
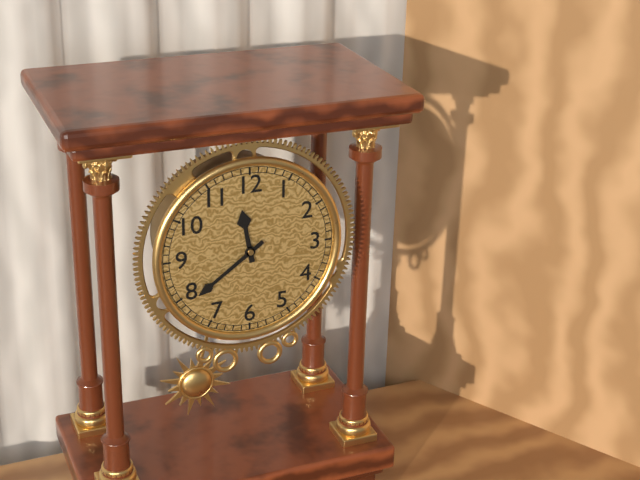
11:39
